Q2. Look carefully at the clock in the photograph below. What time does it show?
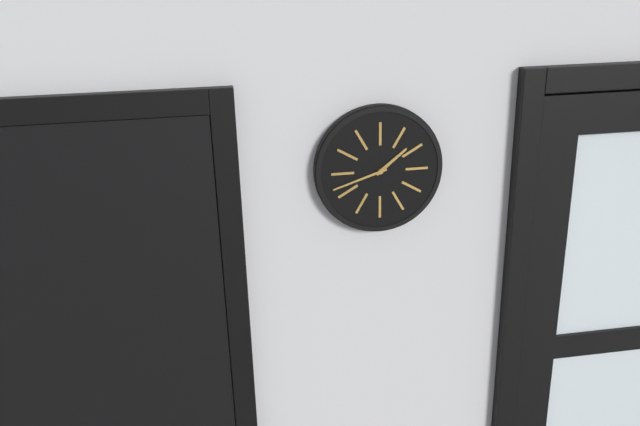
1:42
